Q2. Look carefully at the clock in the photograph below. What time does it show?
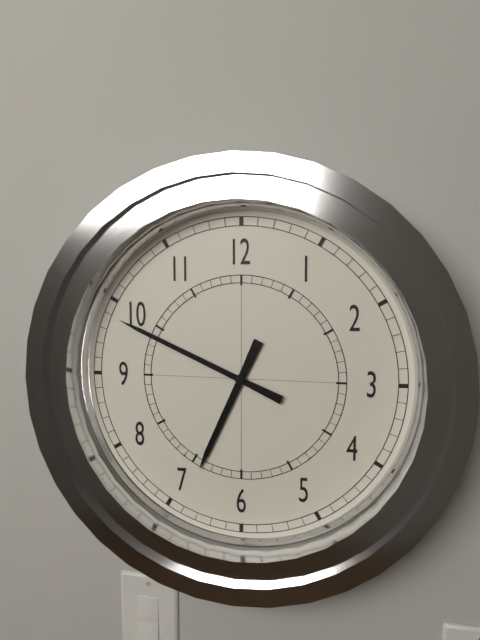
6:49
